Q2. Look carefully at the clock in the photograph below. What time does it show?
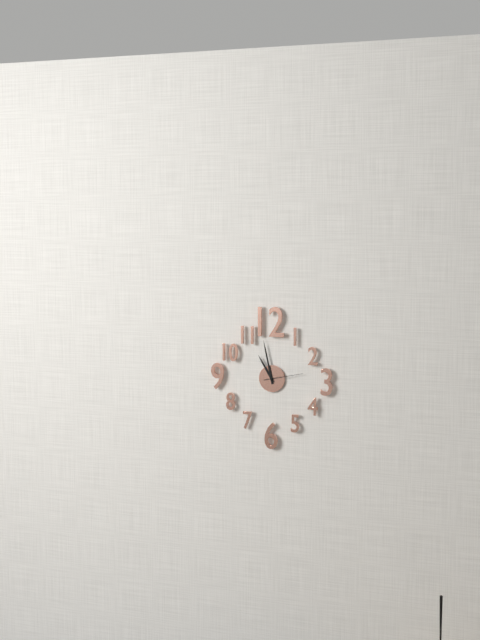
10:58
